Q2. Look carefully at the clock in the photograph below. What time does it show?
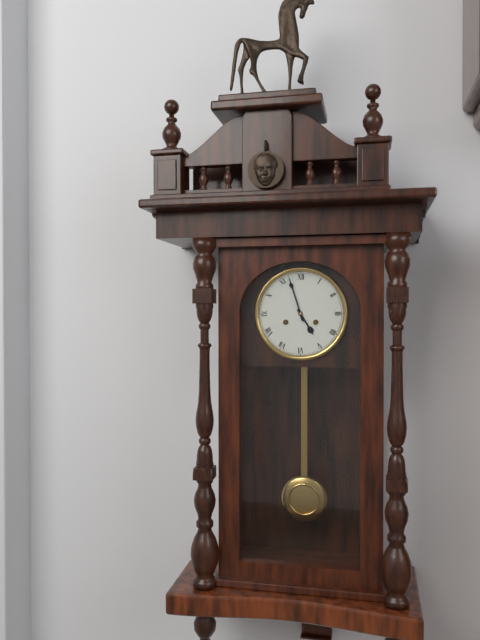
4:57
